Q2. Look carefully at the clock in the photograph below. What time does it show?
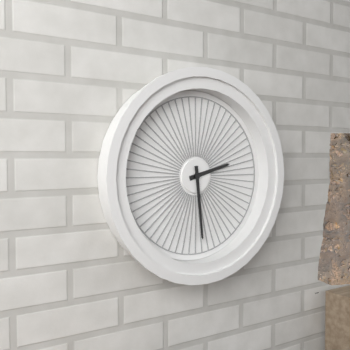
2:29
